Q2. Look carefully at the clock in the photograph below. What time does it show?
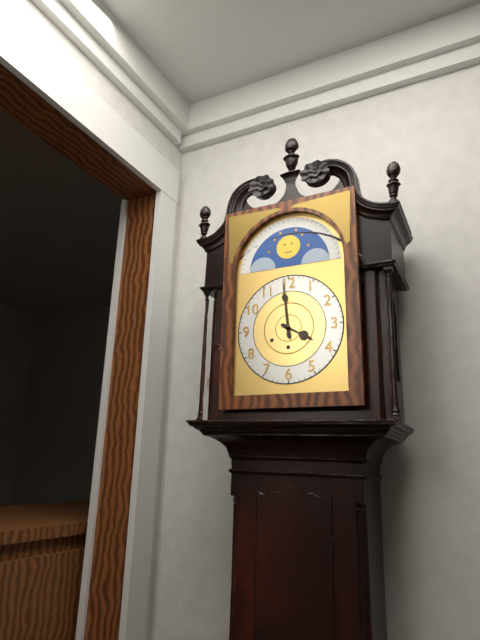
3:59
